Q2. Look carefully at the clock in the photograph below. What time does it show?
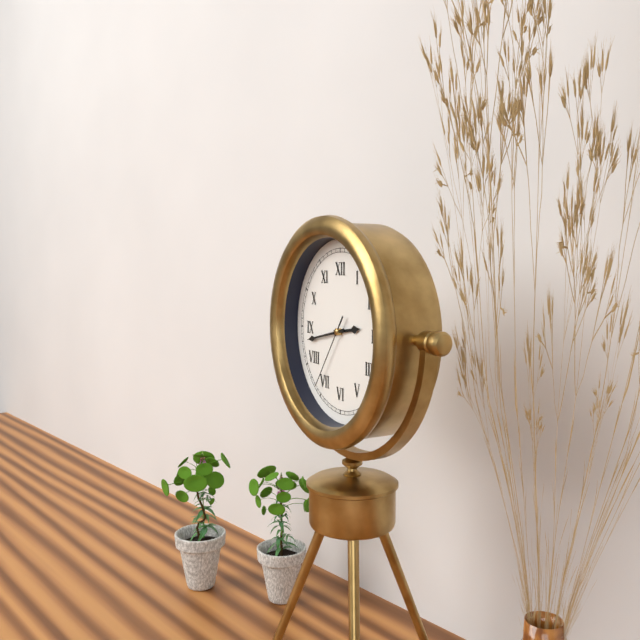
2:43:36
